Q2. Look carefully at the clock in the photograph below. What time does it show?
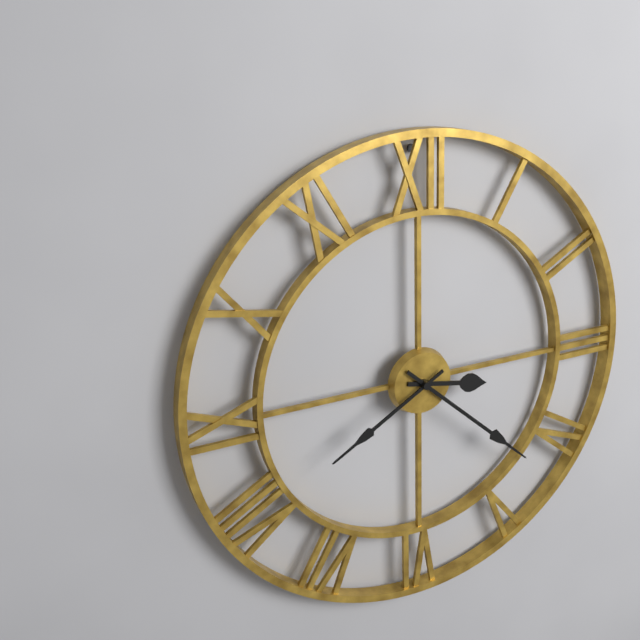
3:22:40
